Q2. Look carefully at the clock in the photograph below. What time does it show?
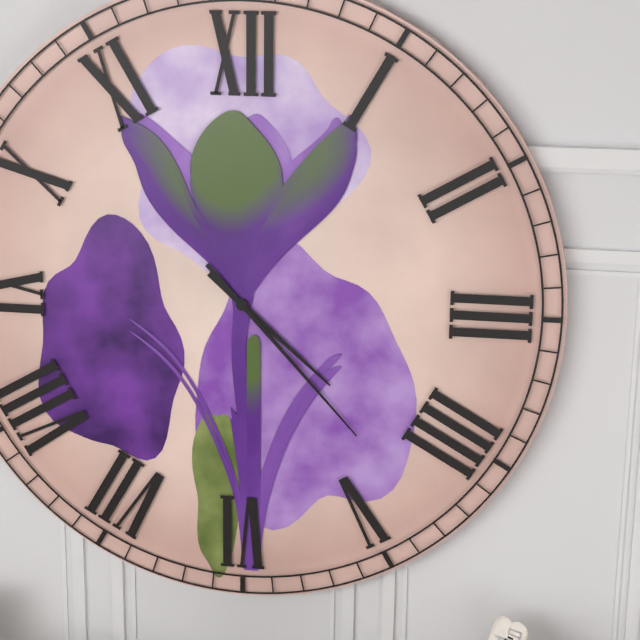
4:23
